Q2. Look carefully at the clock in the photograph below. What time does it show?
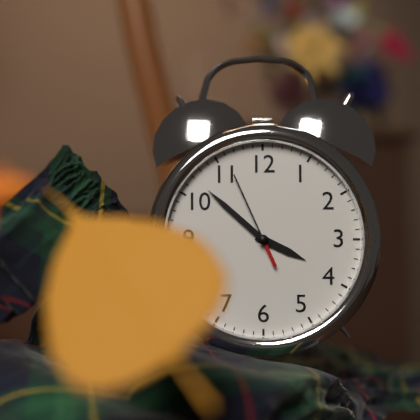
3:52:56
